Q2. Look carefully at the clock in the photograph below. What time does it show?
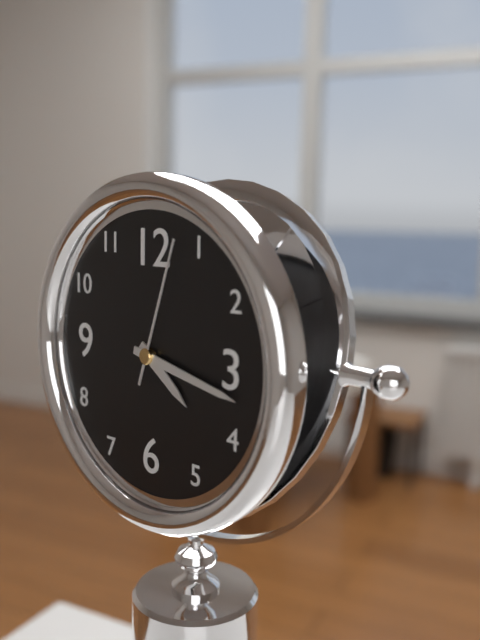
4:17:03
